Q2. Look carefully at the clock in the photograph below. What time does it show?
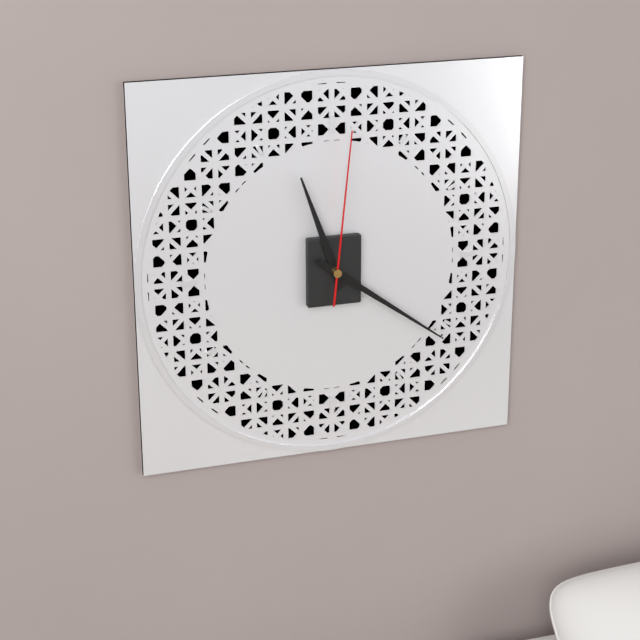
11:21:01
